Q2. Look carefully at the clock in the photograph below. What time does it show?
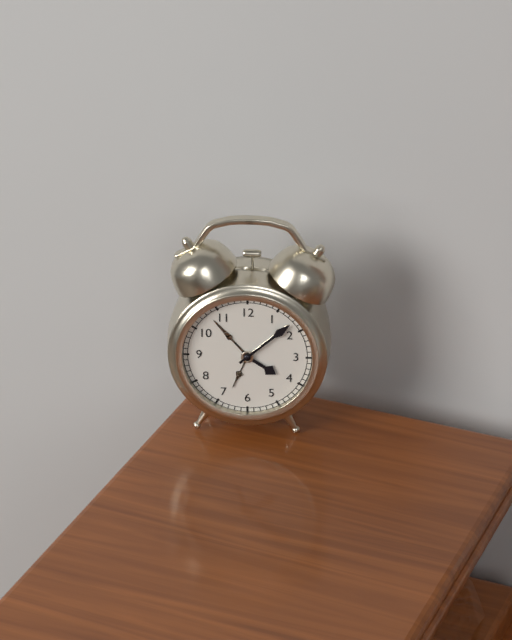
4:08
